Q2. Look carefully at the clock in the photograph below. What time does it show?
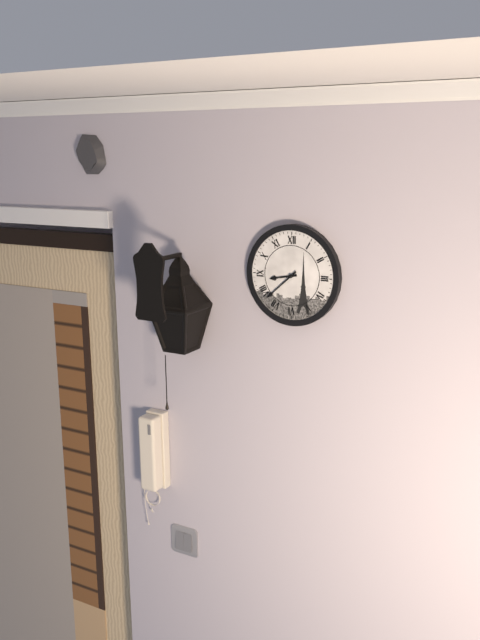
8:38
